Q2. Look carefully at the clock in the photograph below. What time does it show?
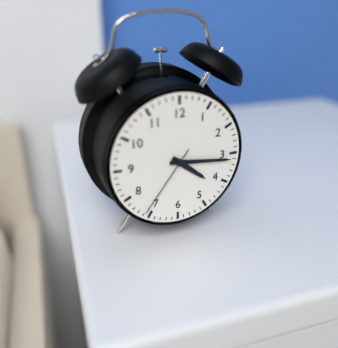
4:16:36
